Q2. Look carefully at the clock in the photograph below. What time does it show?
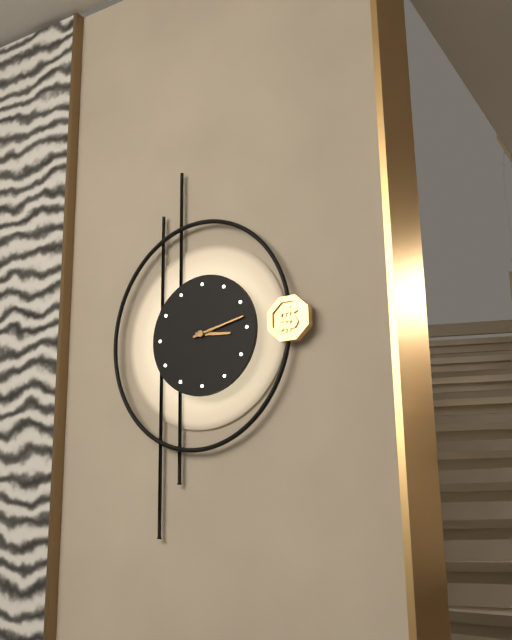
3:13
